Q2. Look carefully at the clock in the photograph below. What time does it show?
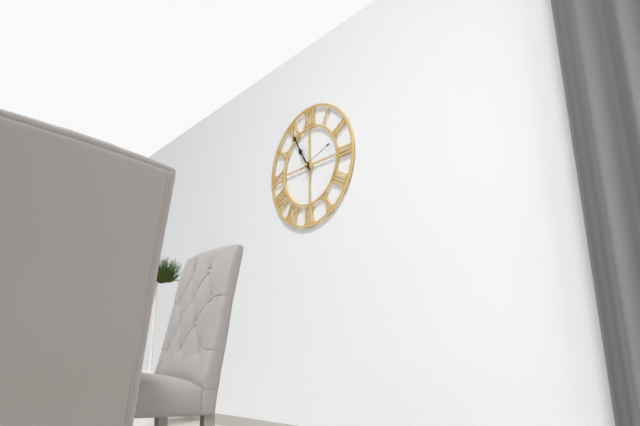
10:55
